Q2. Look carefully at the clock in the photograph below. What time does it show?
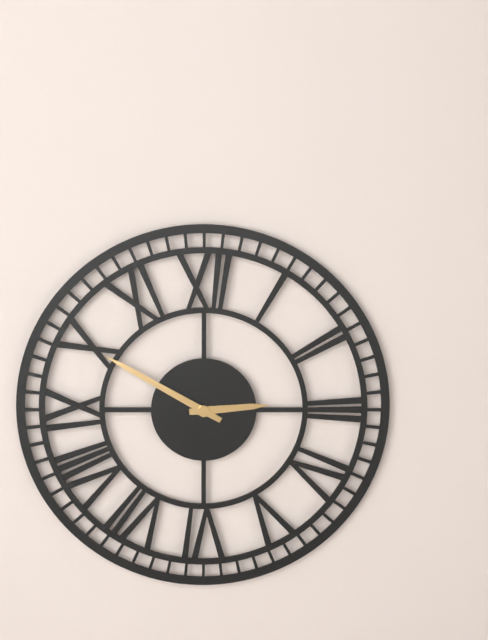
2:50
